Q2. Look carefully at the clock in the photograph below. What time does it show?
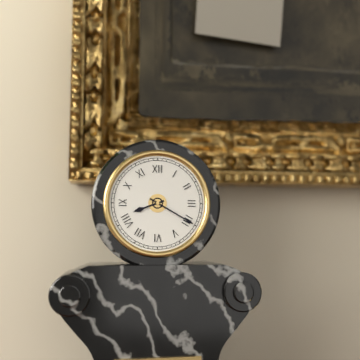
8:20
